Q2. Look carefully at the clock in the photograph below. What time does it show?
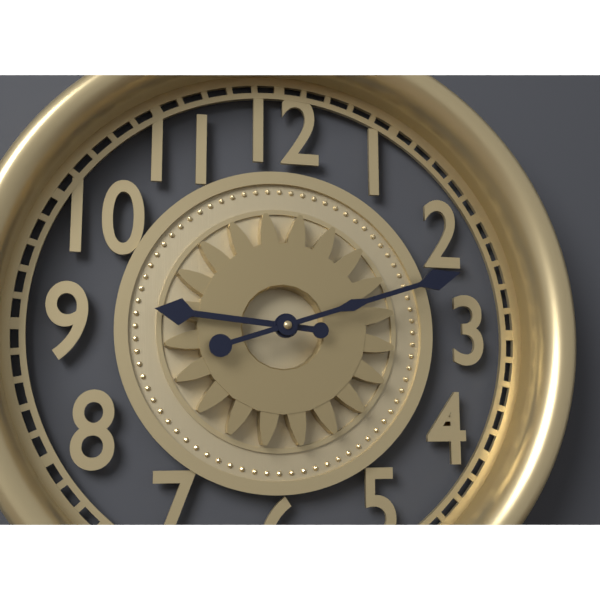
9:12
